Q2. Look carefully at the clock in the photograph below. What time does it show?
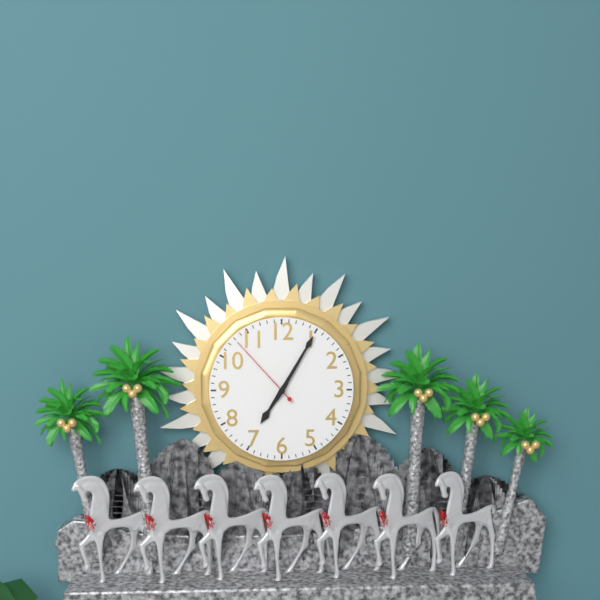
7:05:53
